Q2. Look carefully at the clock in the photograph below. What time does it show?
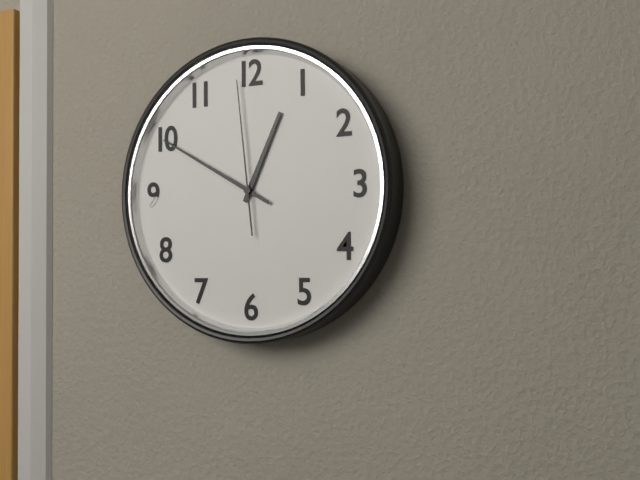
12:50:59
